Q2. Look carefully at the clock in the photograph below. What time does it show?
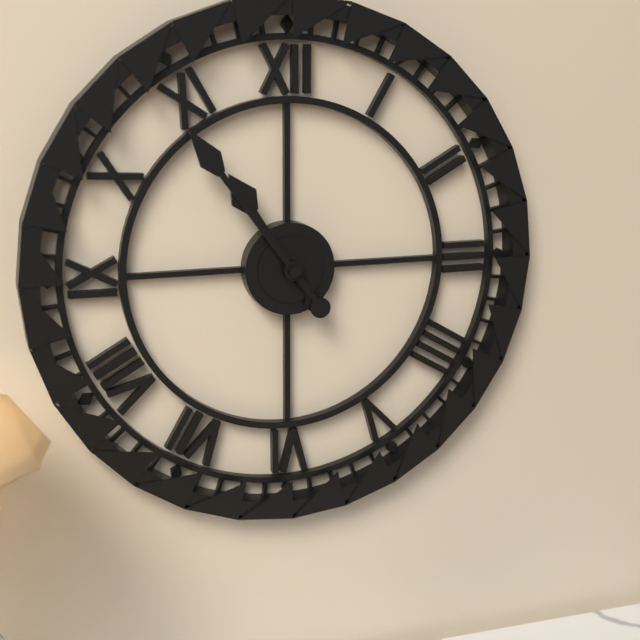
10:54
